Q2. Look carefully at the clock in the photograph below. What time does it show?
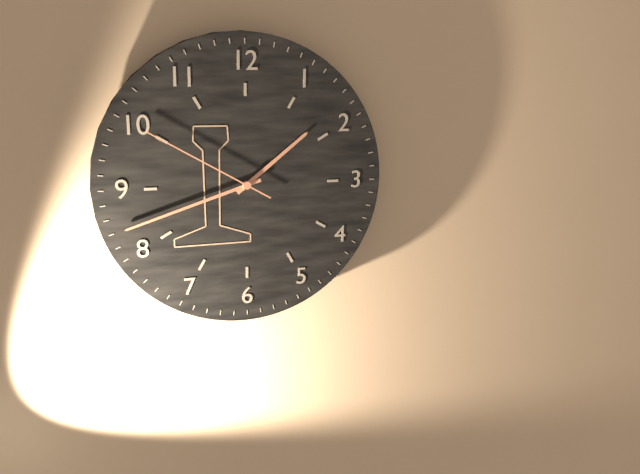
1:42:50
